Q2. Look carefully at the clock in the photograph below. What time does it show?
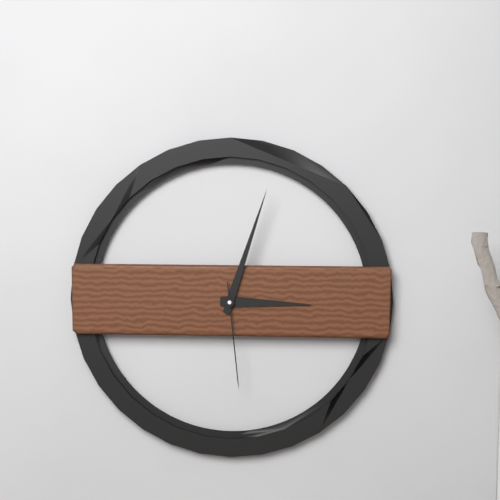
3:03:29
